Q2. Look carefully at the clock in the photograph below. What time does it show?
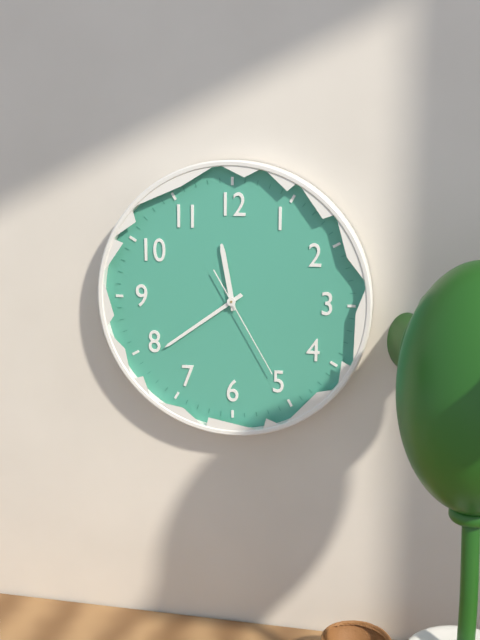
11:39:25
